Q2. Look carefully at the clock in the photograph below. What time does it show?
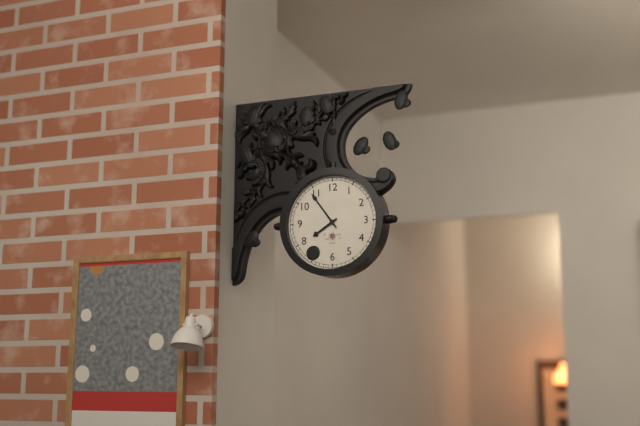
7:54
